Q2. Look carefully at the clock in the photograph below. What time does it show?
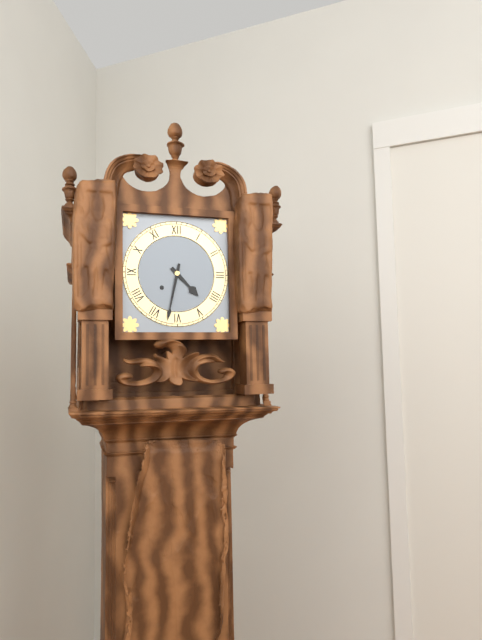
4:32
